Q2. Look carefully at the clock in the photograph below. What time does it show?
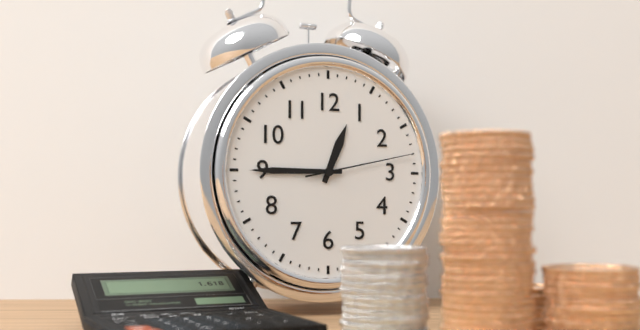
12:45:13
